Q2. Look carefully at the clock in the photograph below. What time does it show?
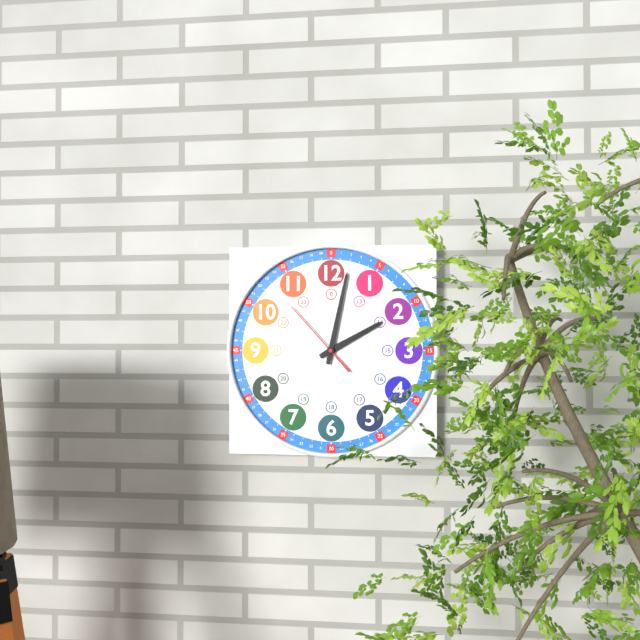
2:02:53
